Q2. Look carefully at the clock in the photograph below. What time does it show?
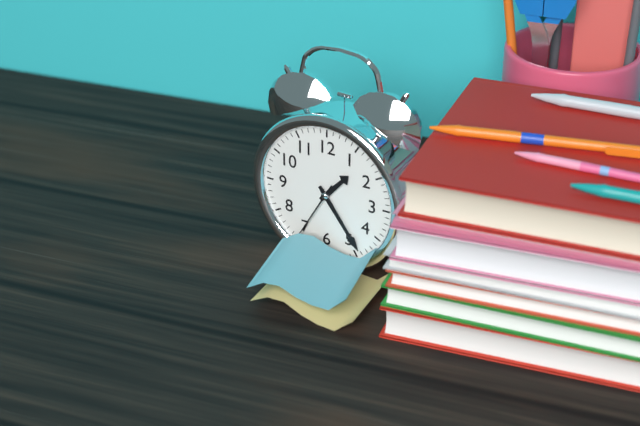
1:24:35
